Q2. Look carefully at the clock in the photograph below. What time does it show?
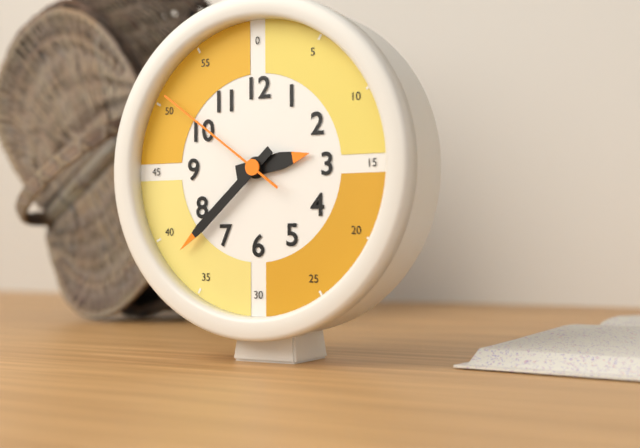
2:38:51
